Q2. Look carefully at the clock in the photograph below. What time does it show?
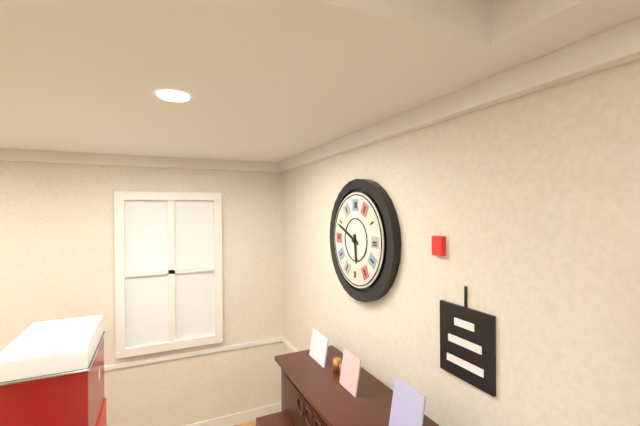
5:49
